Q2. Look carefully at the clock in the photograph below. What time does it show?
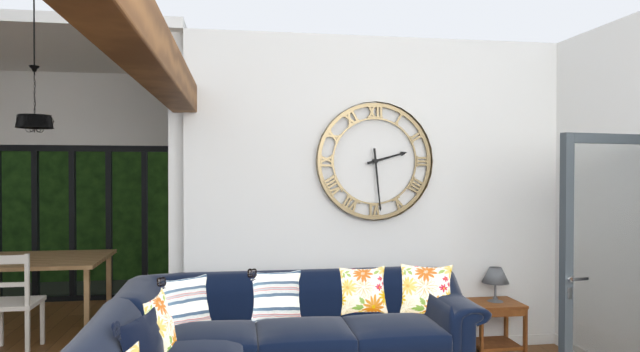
2:29
